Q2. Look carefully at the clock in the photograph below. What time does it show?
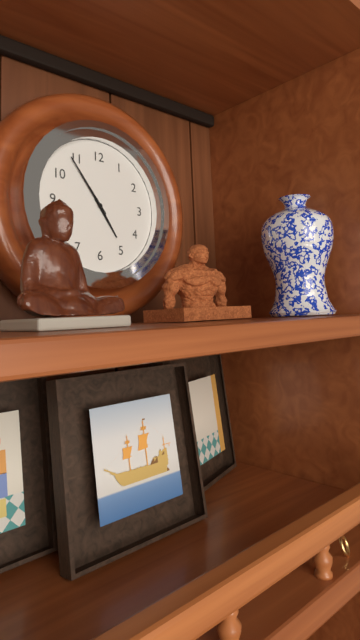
4:54
